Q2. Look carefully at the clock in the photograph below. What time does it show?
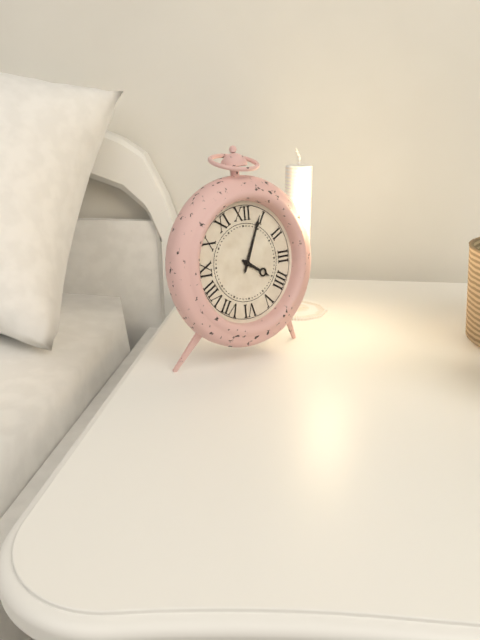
4:04
